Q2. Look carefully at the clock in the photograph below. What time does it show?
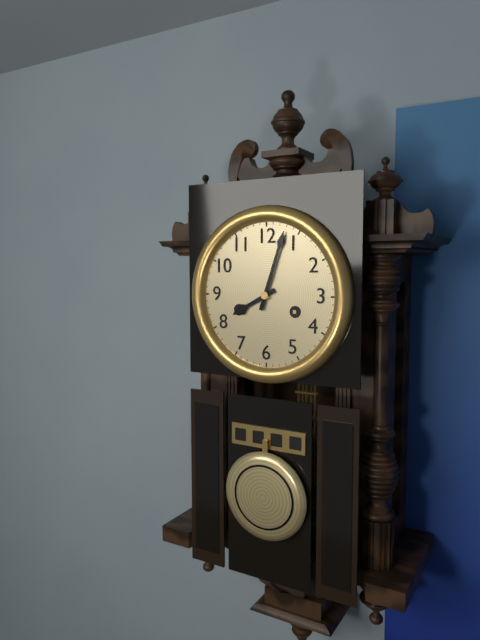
8:03
